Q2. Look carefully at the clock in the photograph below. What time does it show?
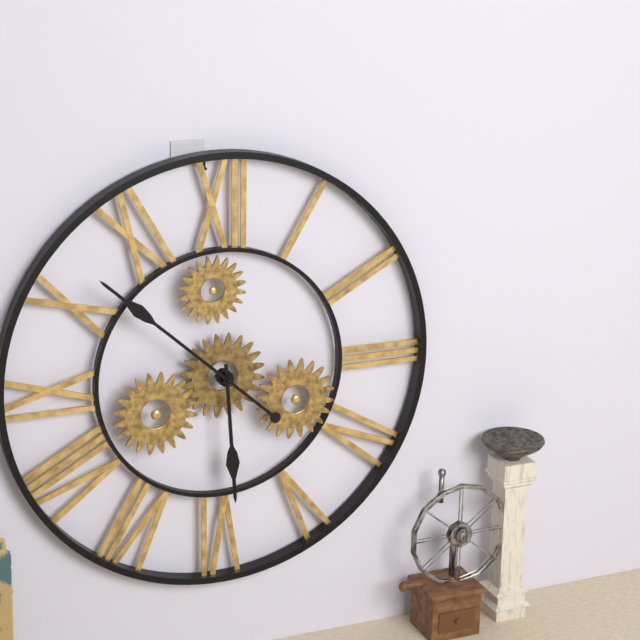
5:52
